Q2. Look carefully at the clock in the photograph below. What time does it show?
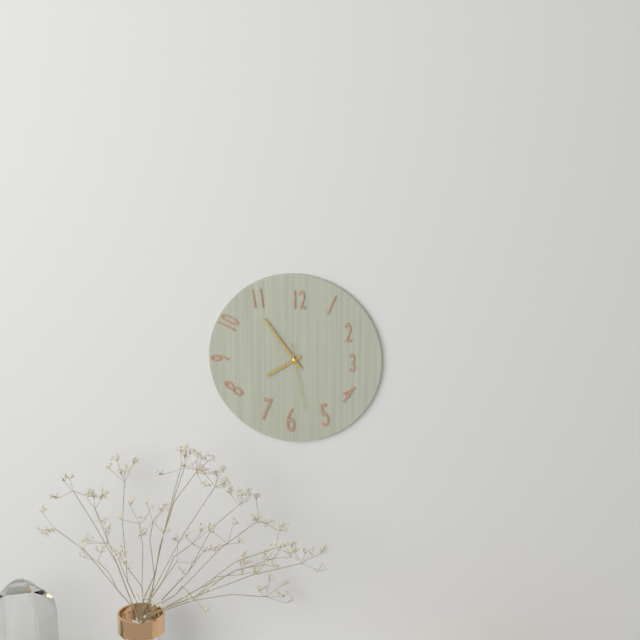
7:54:28
